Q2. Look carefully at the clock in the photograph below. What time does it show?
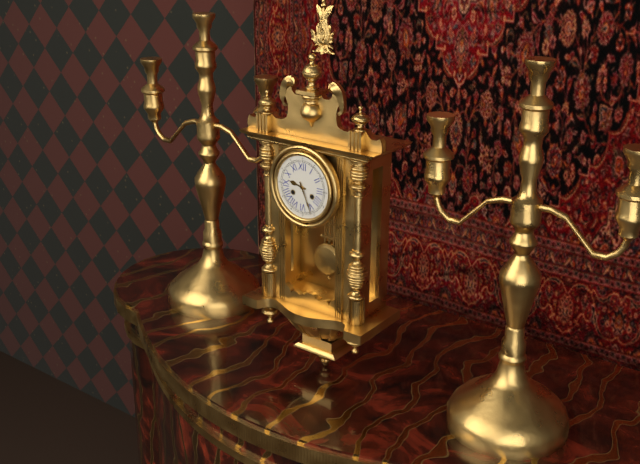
9:26
